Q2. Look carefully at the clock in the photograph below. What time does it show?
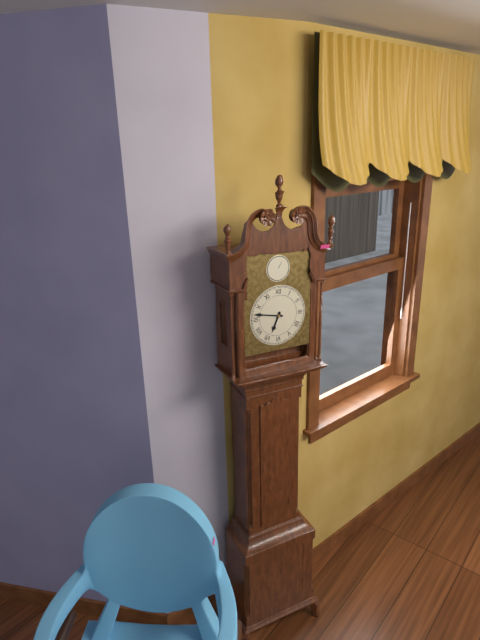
6:47
